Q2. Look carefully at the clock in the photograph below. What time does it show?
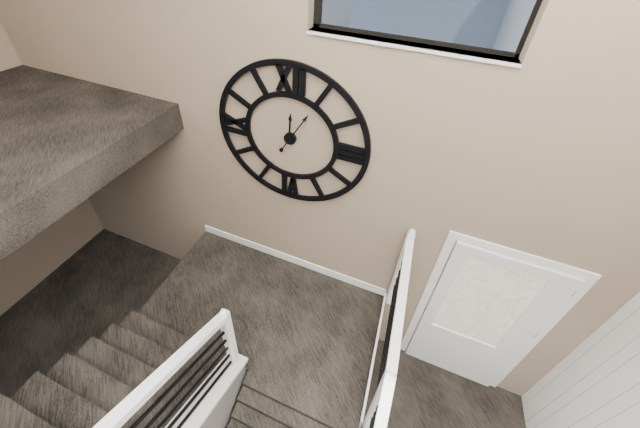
12:05
